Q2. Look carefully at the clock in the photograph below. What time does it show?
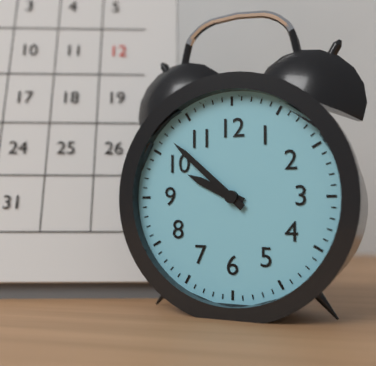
9:52
